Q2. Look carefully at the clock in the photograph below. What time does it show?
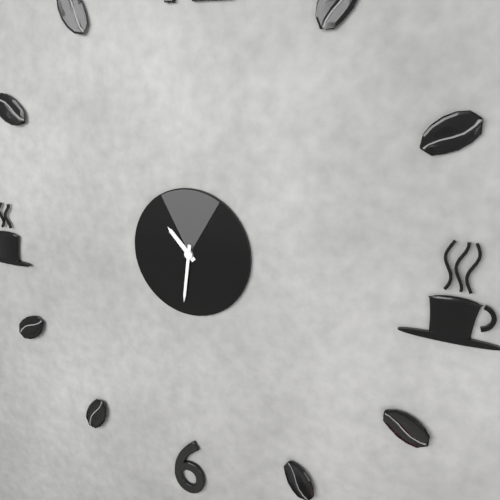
10:31
